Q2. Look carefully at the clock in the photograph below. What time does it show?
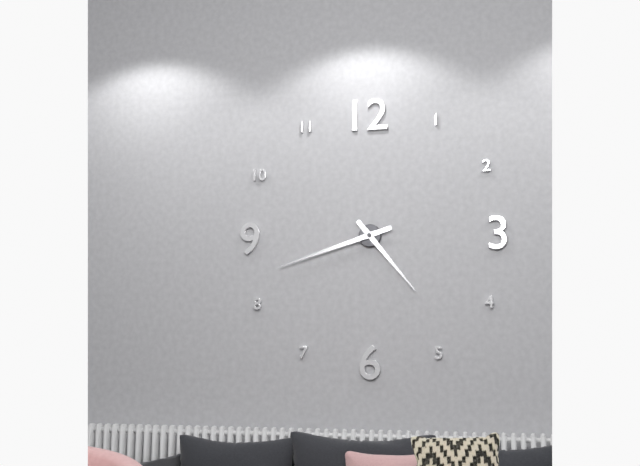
4:42
